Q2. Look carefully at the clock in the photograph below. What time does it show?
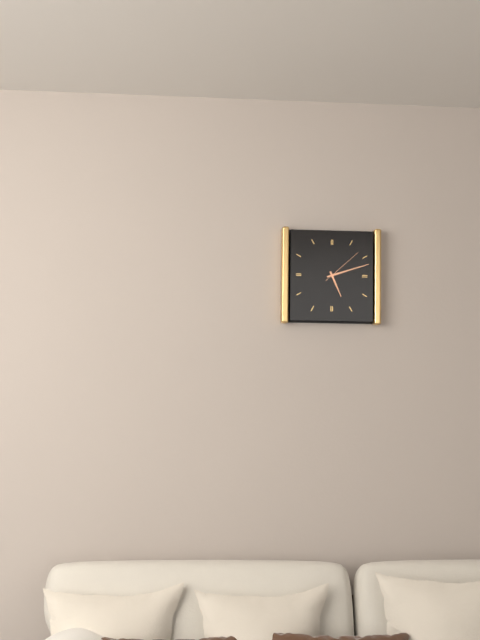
5:12
